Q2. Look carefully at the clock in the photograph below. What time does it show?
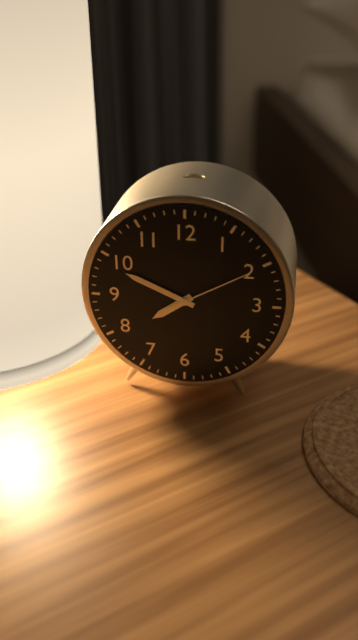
7:49:10
